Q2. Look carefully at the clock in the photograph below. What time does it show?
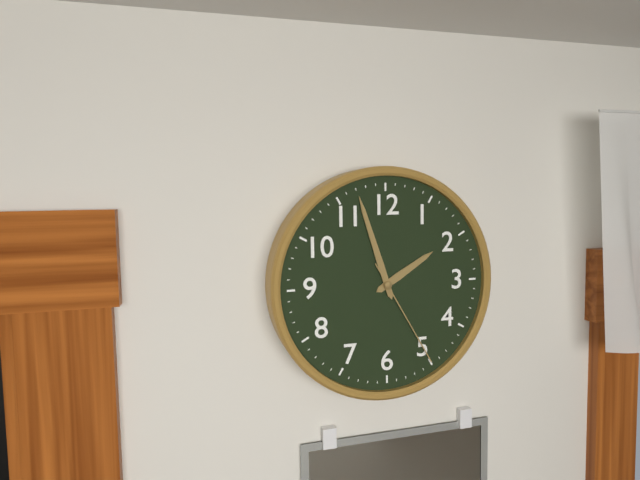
1:57:25
